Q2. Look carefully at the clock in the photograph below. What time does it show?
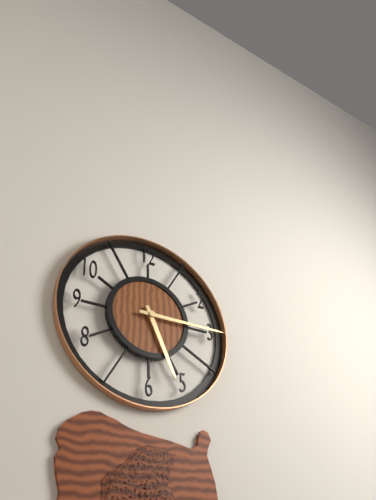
5:15
